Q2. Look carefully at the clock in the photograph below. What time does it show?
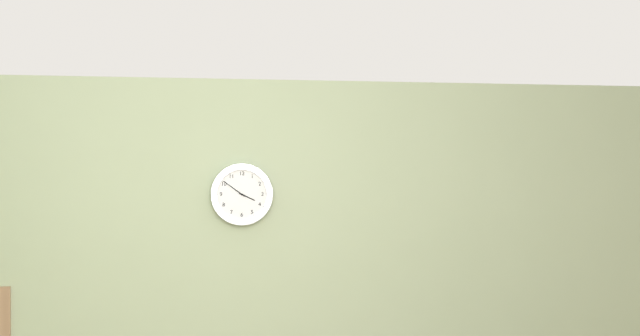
3:51
